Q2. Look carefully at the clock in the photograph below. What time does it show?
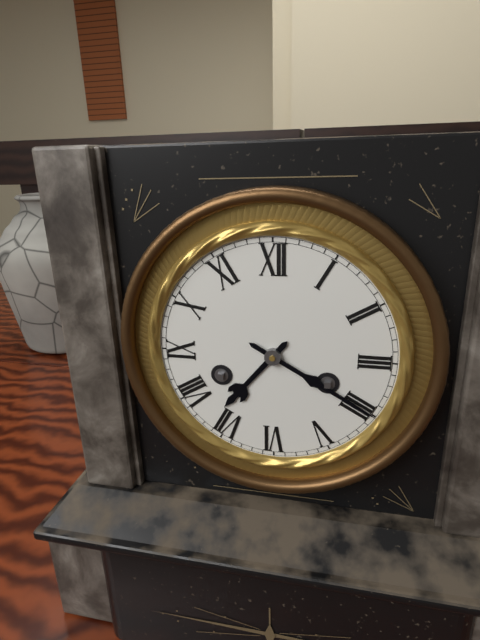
7:20
